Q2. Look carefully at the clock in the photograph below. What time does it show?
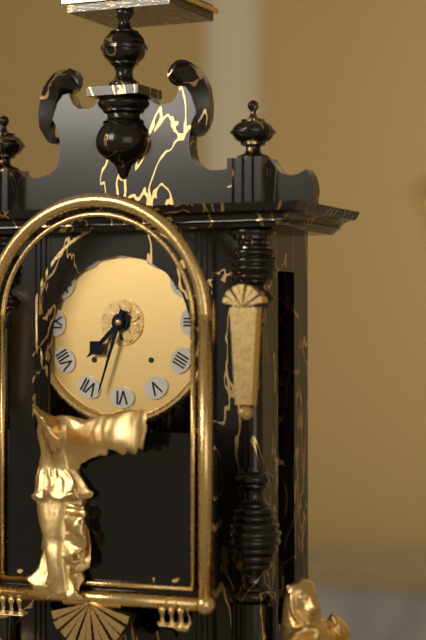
7:33
